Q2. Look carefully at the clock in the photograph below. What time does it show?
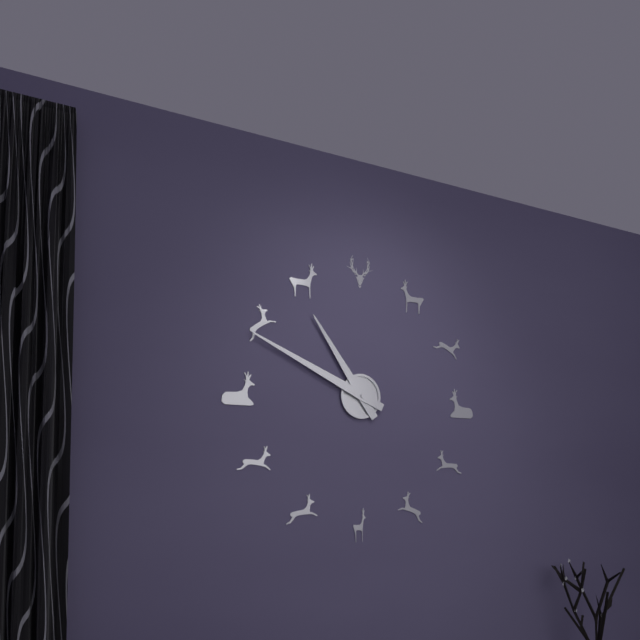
10:49
